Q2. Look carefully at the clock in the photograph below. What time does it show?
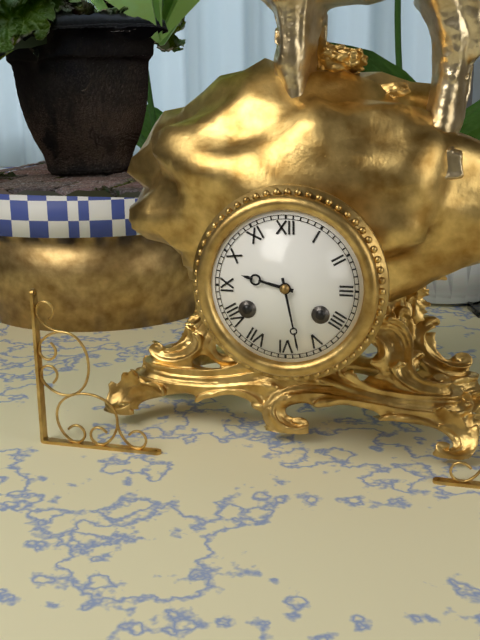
9:28
